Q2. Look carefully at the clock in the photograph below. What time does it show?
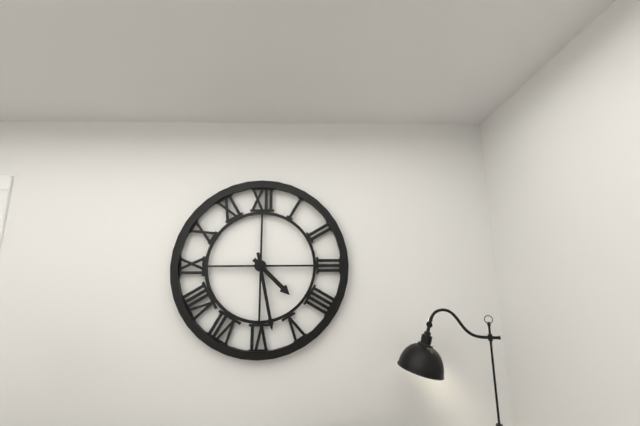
4:28
